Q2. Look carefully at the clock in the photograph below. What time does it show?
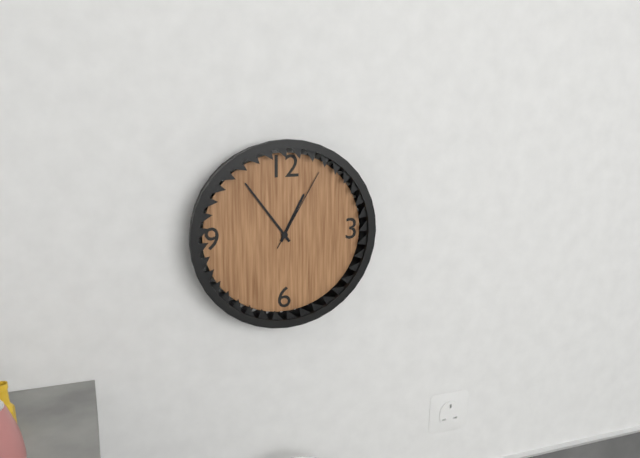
12:54:05
